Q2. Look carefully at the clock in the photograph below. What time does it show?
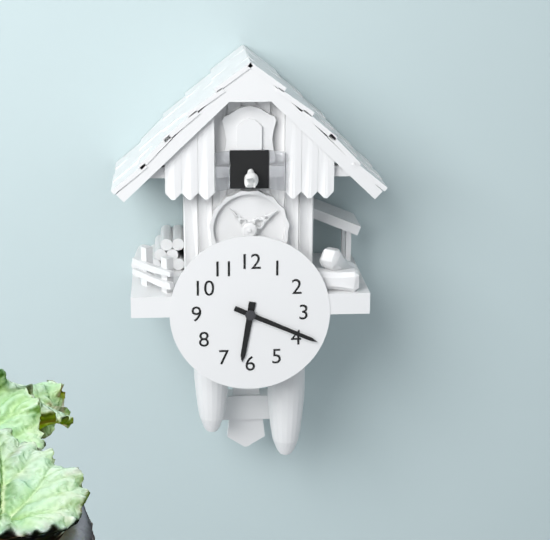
6:19
